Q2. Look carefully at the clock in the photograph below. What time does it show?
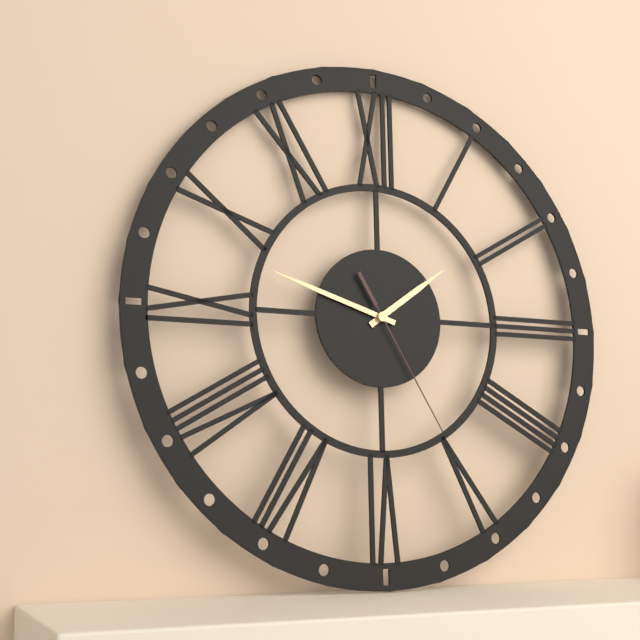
1:48:25
